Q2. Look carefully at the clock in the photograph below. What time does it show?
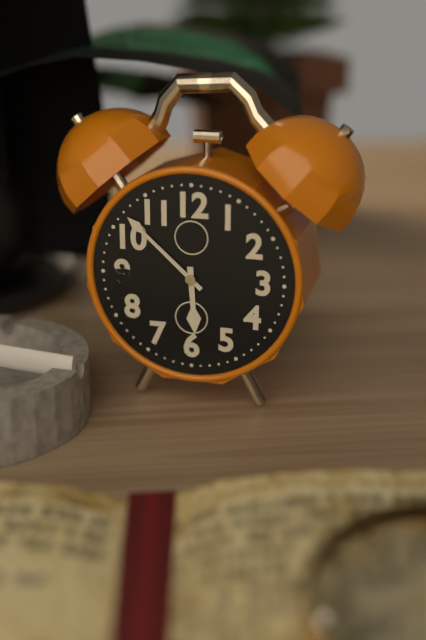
5:52
